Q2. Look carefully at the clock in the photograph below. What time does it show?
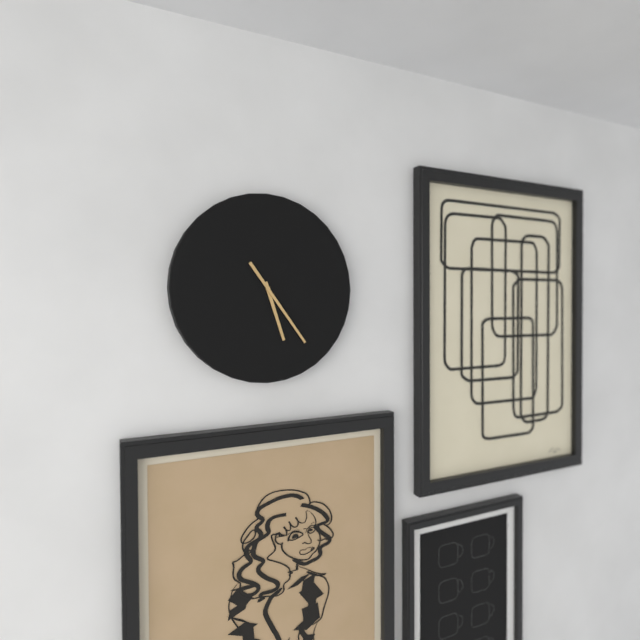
5:24
